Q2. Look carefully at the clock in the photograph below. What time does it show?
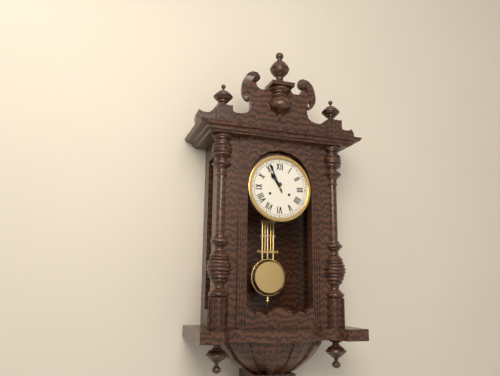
10:56
